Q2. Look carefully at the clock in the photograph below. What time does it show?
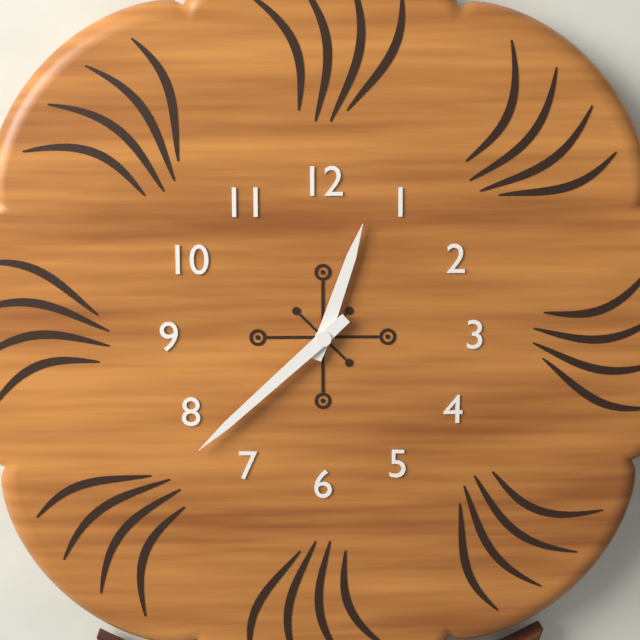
12:38
